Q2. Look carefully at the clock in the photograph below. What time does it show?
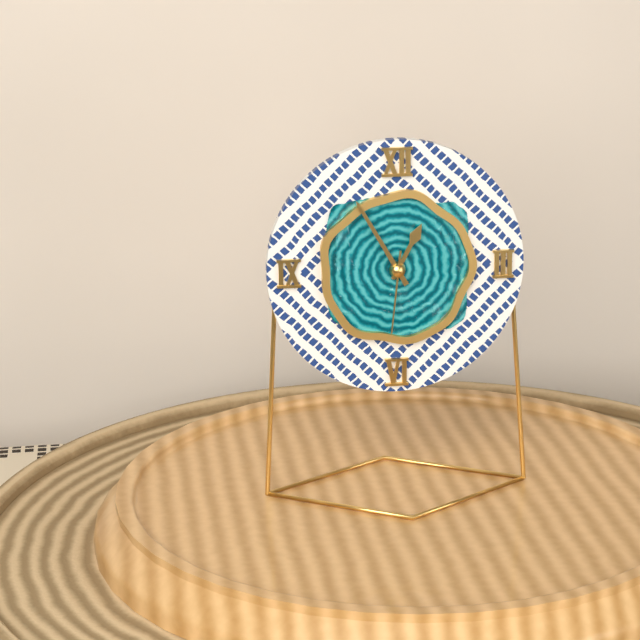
12:55:31
